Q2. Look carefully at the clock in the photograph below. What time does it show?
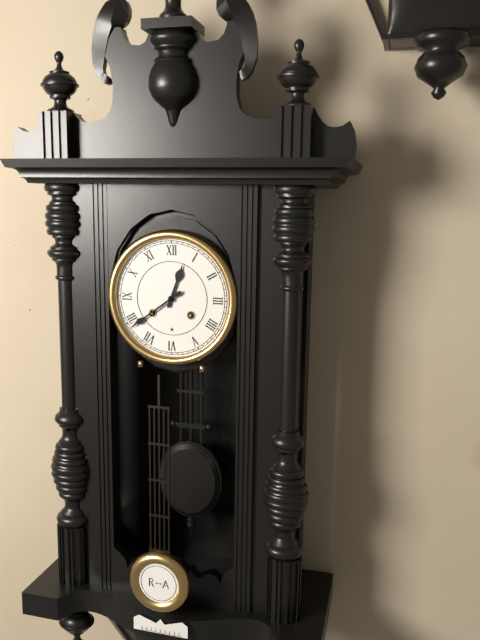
12:39
